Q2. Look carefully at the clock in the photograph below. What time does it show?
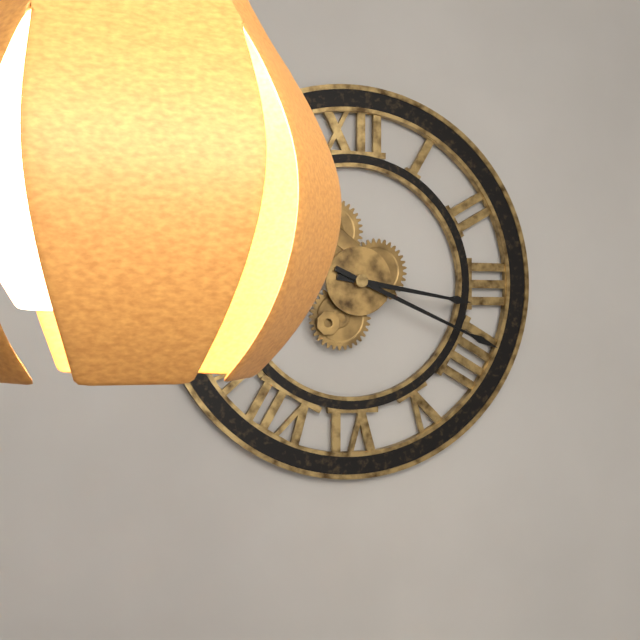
3:19
